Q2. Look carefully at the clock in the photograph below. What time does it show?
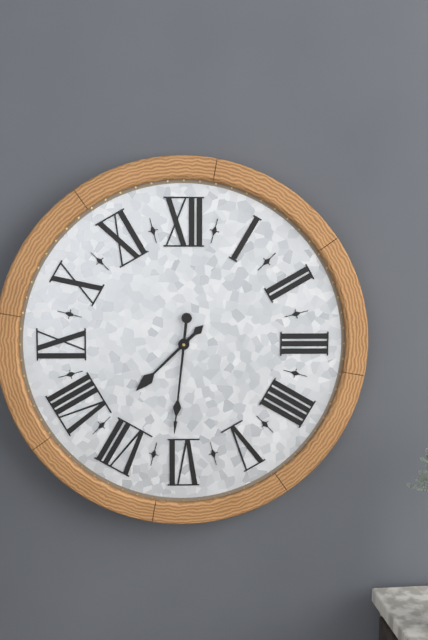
7:31
